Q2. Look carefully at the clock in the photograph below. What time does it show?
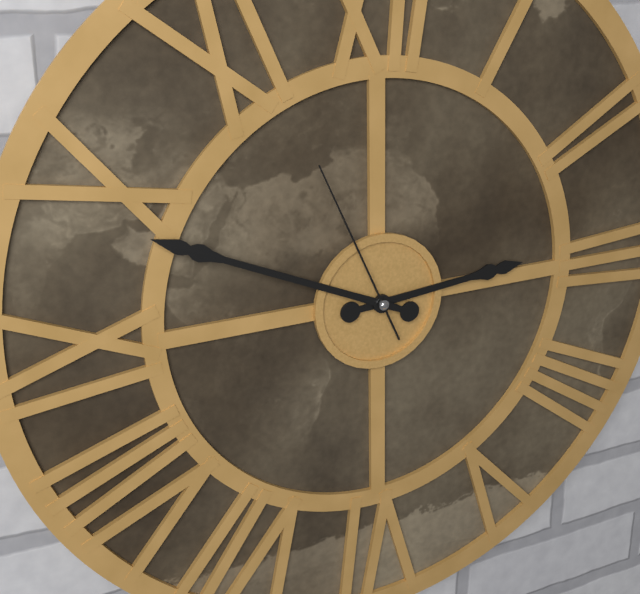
2:49:56
